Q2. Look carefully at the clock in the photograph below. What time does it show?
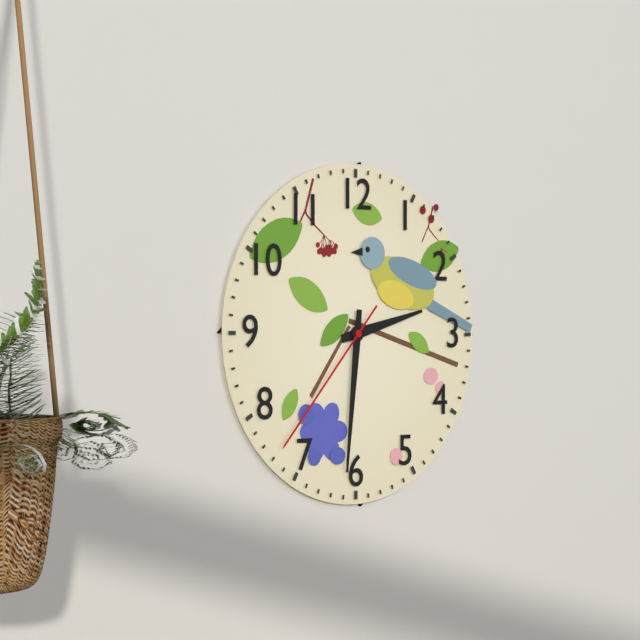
2:31:37
